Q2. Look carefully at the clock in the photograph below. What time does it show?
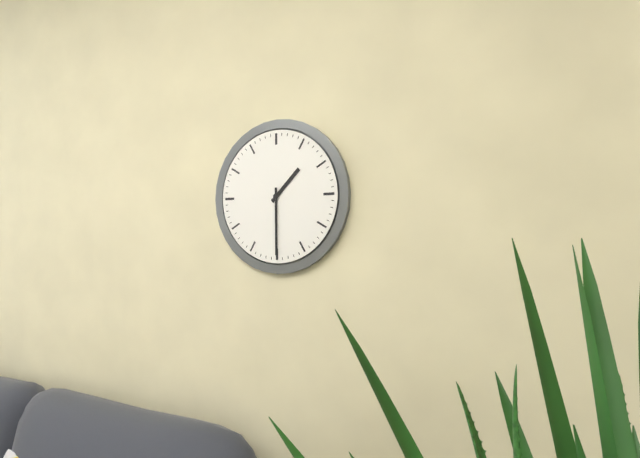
1:30
